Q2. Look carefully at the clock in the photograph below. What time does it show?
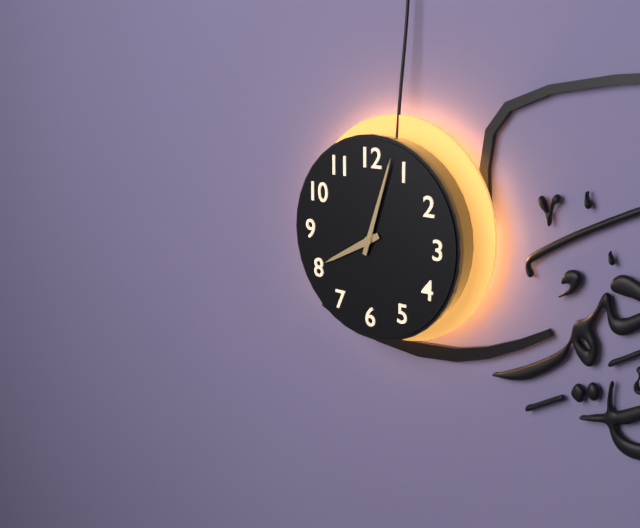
8:03
